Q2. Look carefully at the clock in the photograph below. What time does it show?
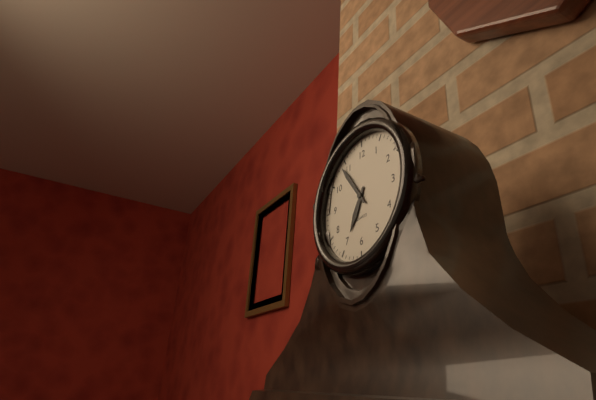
6:54
